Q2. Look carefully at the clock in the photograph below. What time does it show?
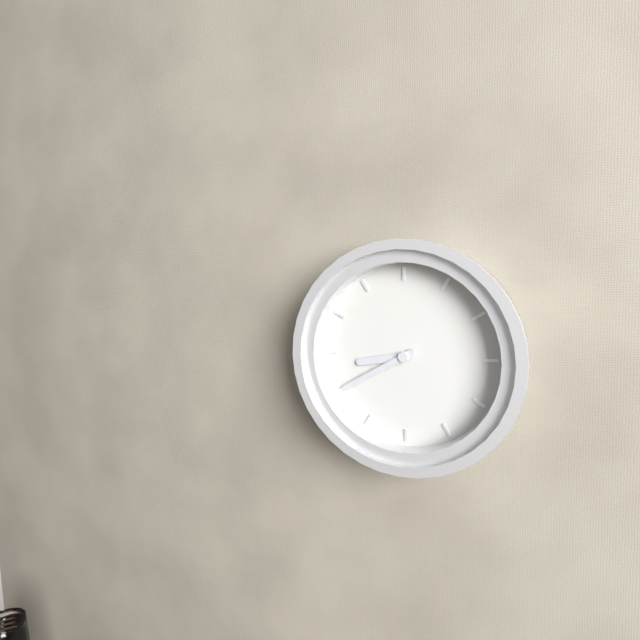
8:40
